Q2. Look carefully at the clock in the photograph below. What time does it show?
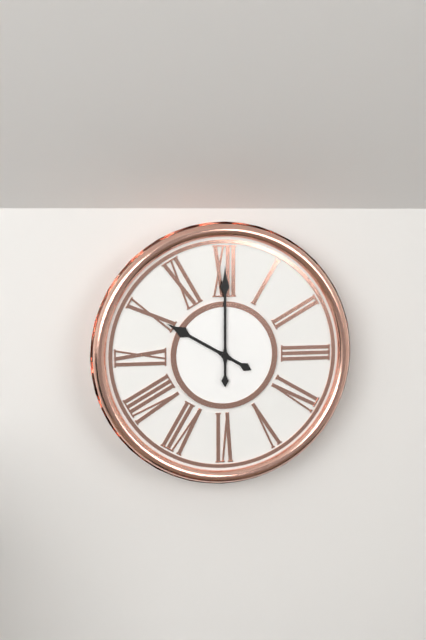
10:00
